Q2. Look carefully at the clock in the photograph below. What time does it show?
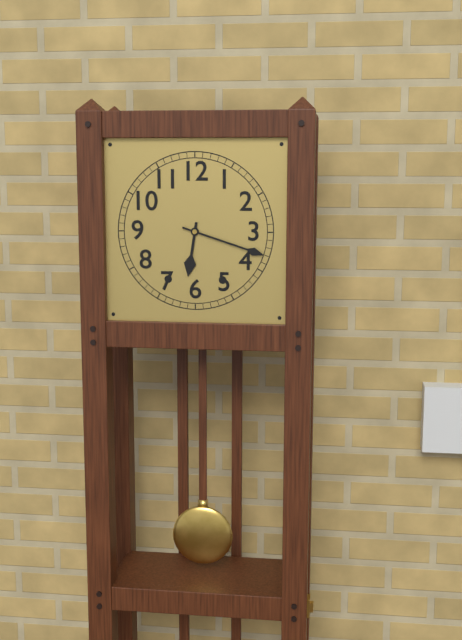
6:18
